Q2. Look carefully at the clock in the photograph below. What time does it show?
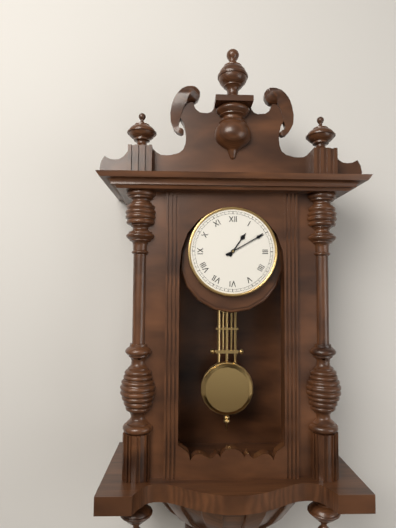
1:10
